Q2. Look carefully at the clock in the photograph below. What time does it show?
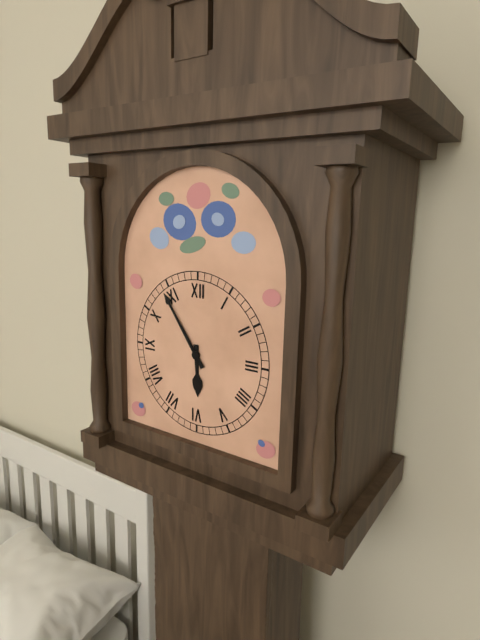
5:54
